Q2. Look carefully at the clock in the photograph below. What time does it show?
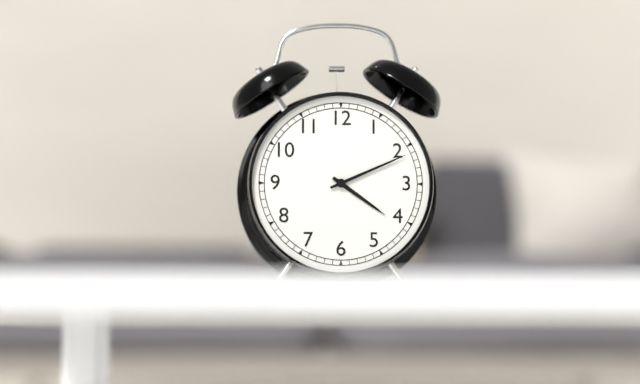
4:11
